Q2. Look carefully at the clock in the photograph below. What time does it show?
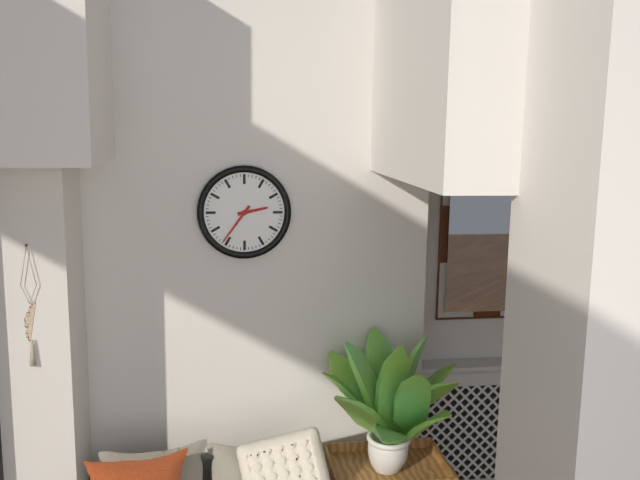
2:36
